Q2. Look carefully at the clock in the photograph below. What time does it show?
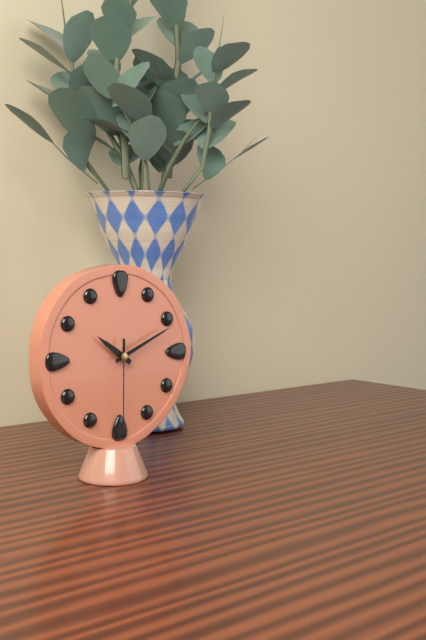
10:11:30
